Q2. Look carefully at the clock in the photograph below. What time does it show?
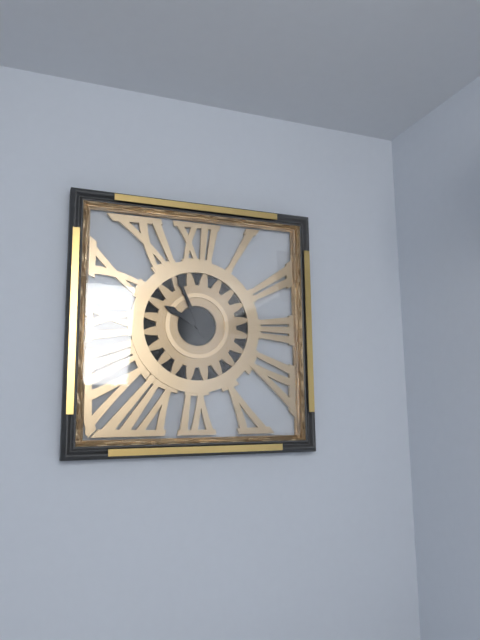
9:56
